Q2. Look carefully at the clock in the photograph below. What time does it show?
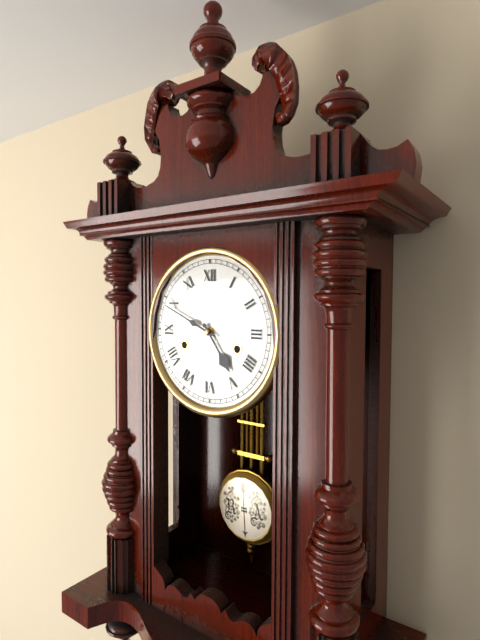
4:49
